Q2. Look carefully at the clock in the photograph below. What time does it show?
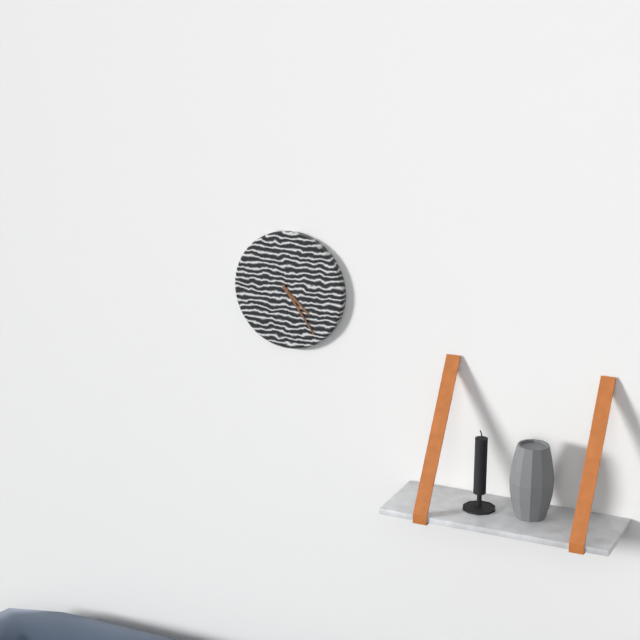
4:24
